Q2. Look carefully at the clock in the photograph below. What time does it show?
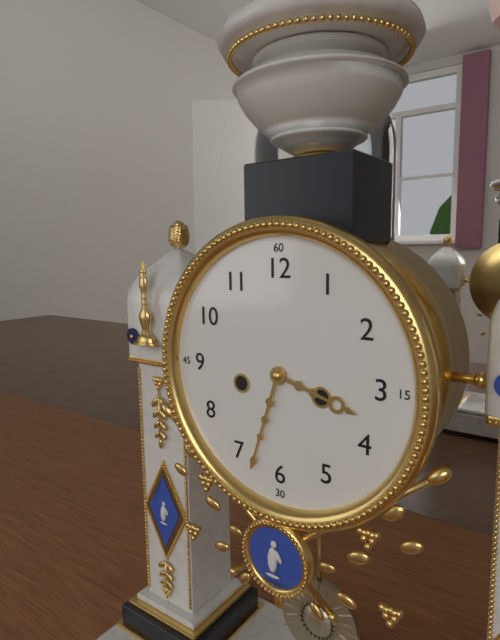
3:33
